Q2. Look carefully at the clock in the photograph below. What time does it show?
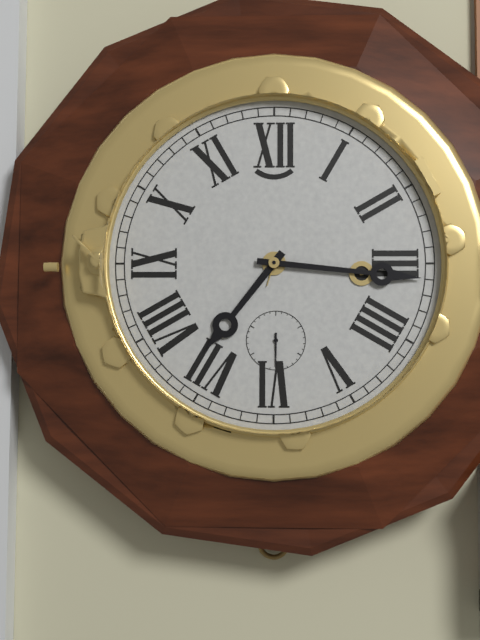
7:16
